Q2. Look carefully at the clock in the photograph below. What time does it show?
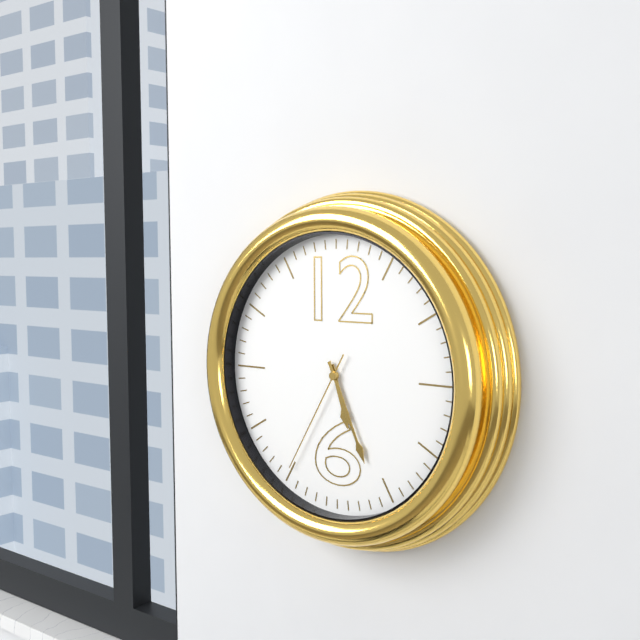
5:26:35
